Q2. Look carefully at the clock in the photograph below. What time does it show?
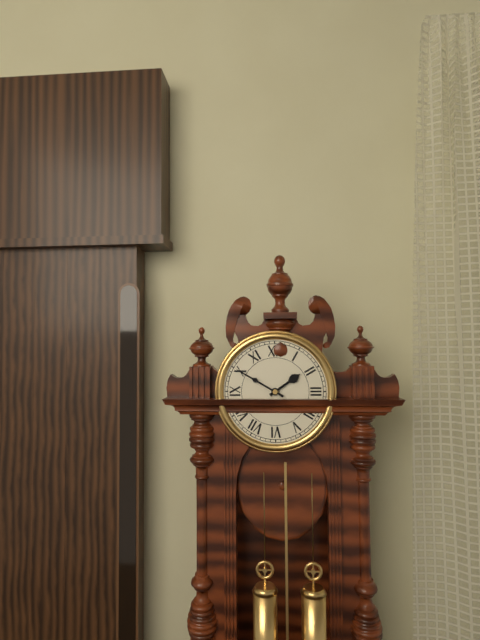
1:50
